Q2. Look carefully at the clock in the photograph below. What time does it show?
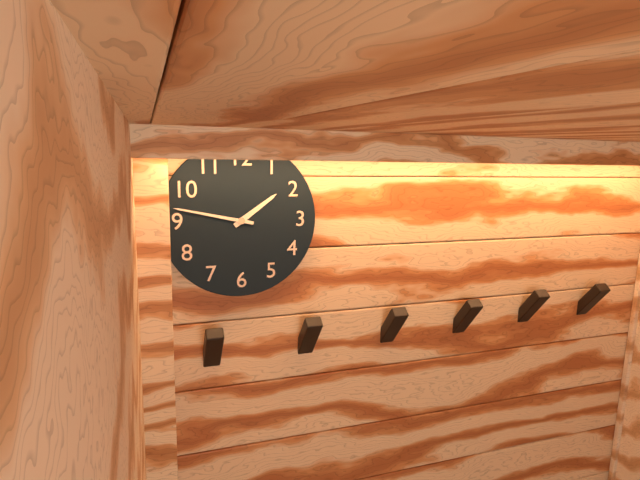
1:47
